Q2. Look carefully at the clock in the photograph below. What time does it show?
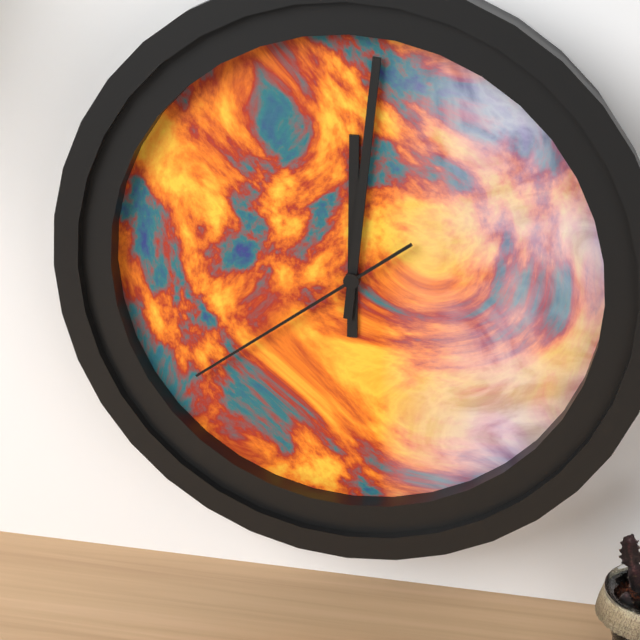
12:01:39
